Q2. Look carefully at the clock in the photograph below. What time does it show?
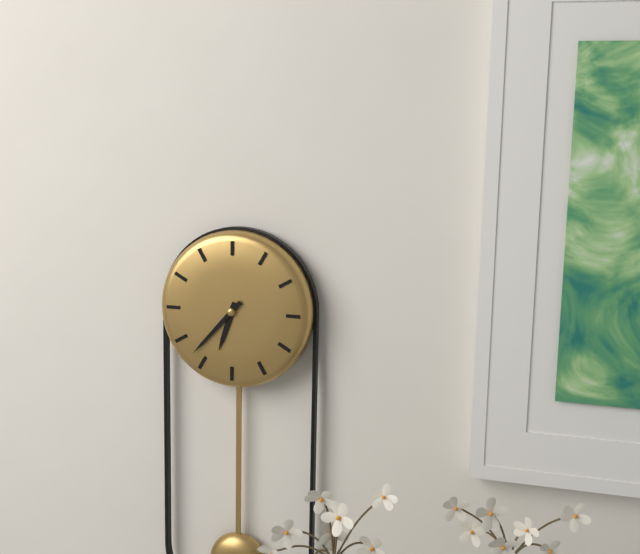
6:37
